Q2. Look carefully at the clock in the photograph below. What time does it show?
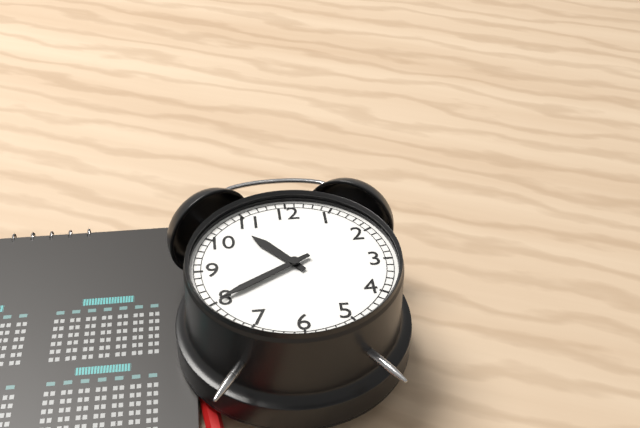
10:40
